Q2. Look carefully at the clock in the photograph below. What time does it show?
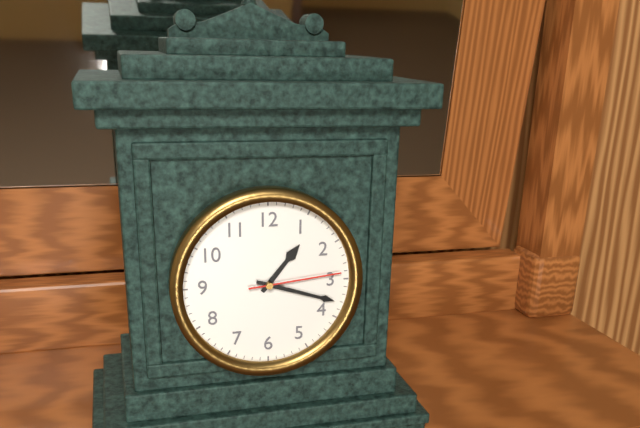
1:18:14
